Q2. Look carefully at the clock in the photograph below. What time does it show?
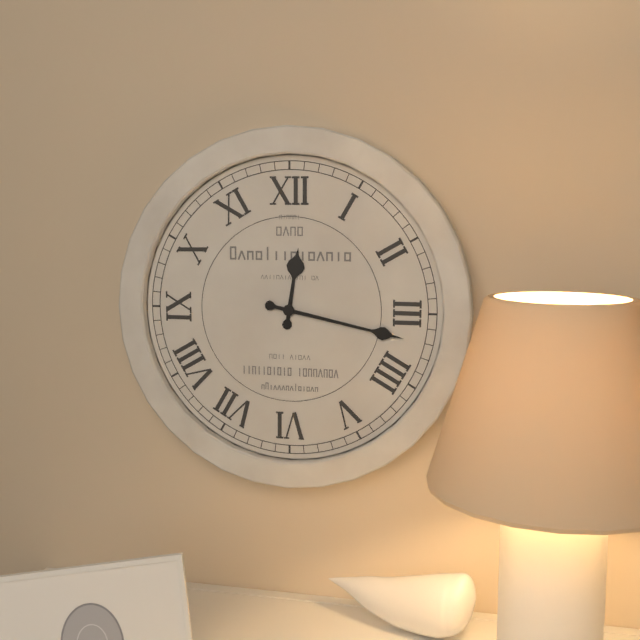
12:17
